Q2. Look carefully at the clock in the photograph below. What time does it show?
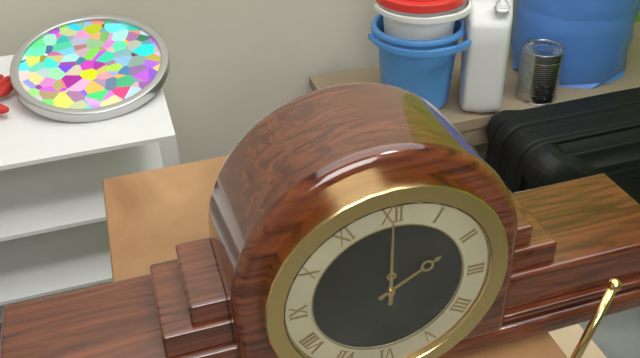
2:00
